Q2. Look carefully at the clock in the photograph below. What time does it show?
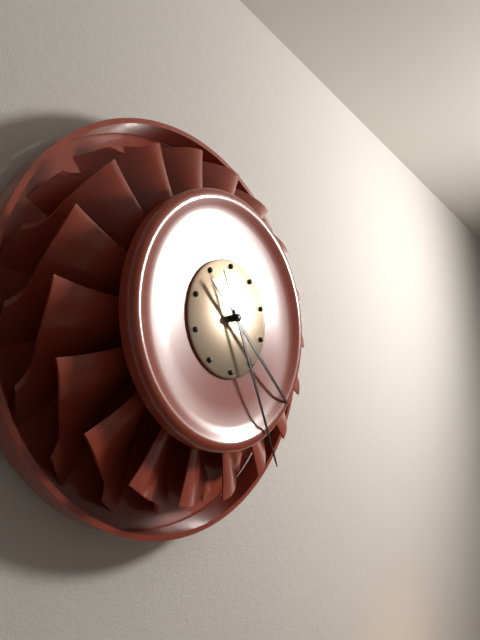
4:26
